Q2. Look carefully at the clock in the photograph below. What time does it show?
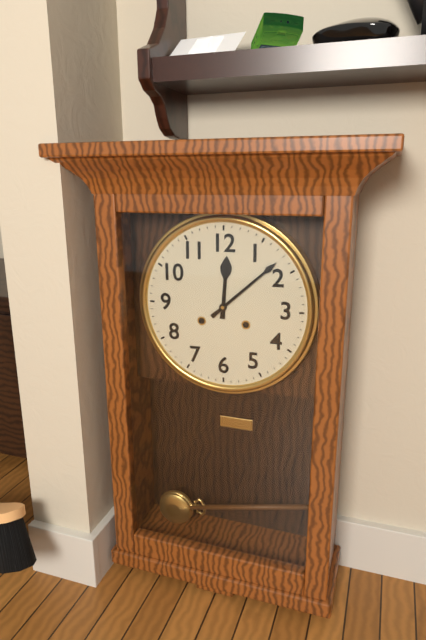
12:08
